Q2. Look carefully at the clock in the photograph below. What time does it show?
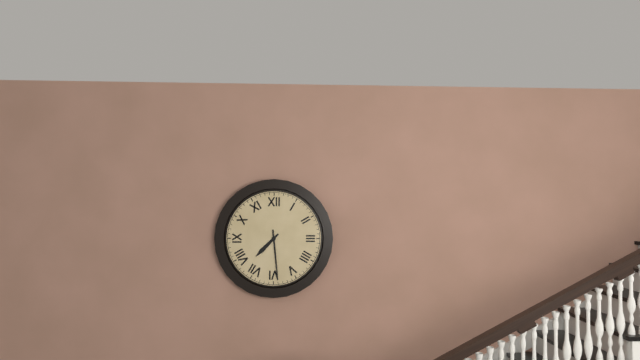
7:29
